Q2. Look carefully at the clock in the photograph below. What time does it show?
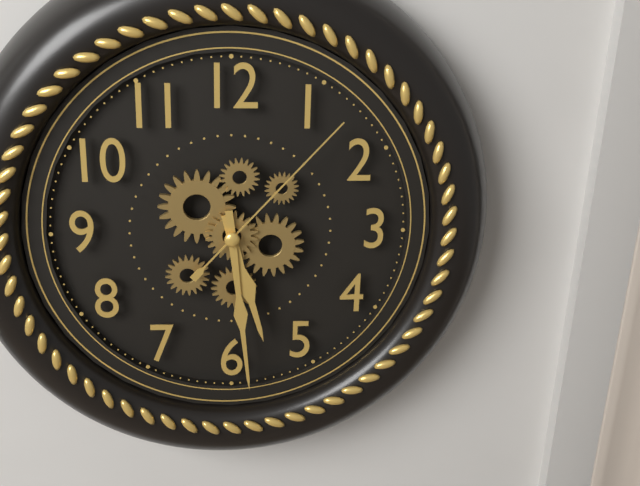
5:29:07
